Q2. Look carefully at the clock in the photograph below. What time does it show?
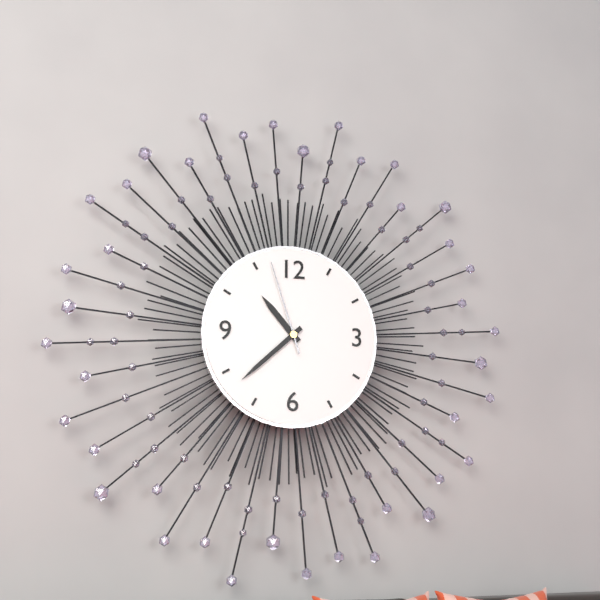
10:38:57
